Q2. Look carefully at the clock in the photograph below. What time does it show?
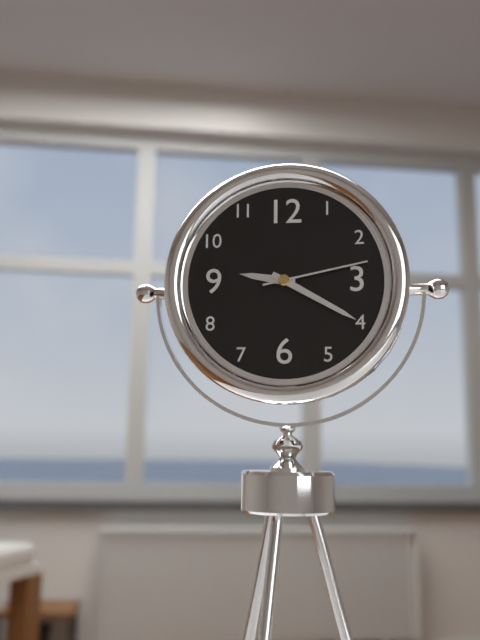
9:20:13
